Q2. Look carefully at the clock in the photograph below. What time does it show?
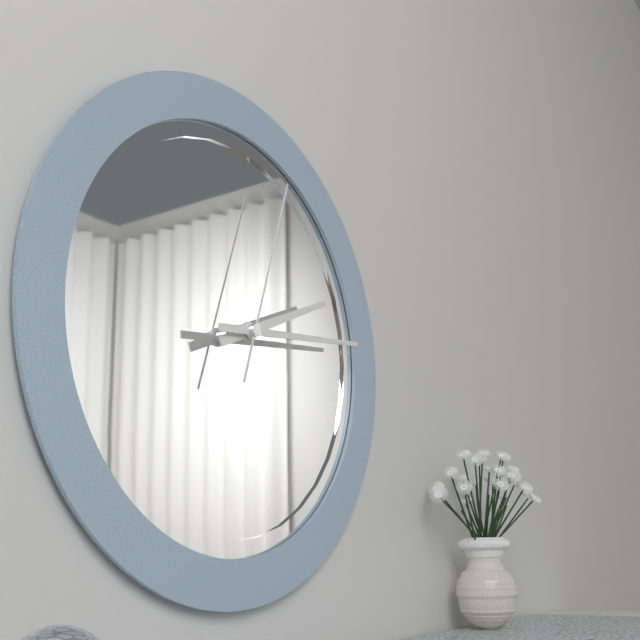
2:14:03
